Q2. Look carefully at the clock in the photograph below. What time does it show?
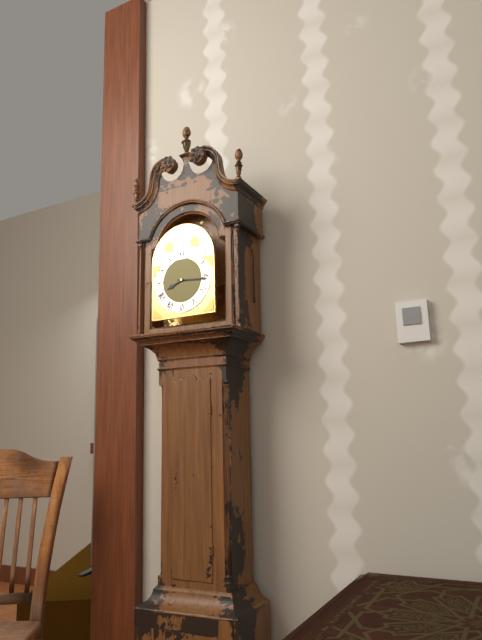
8:16
